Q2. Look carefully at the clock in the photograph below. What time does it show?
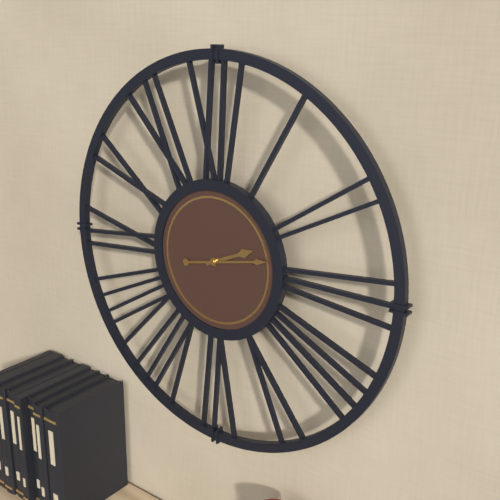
2:13
